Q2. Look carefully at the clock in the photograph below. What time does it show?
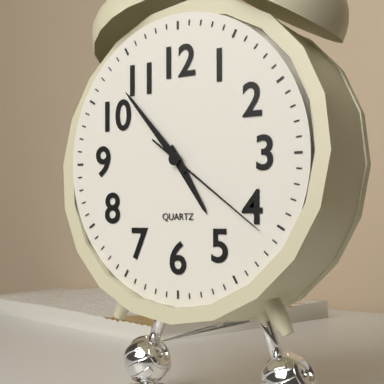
4:53:21
